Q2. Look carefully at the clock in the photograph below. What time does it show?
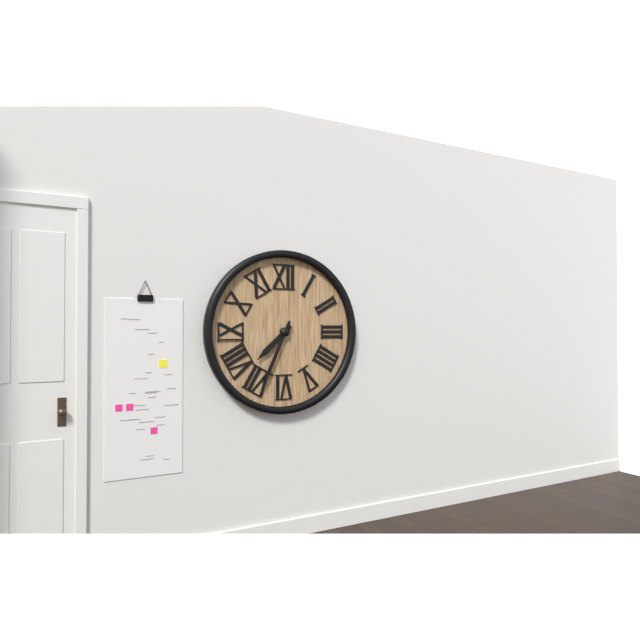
7:34
